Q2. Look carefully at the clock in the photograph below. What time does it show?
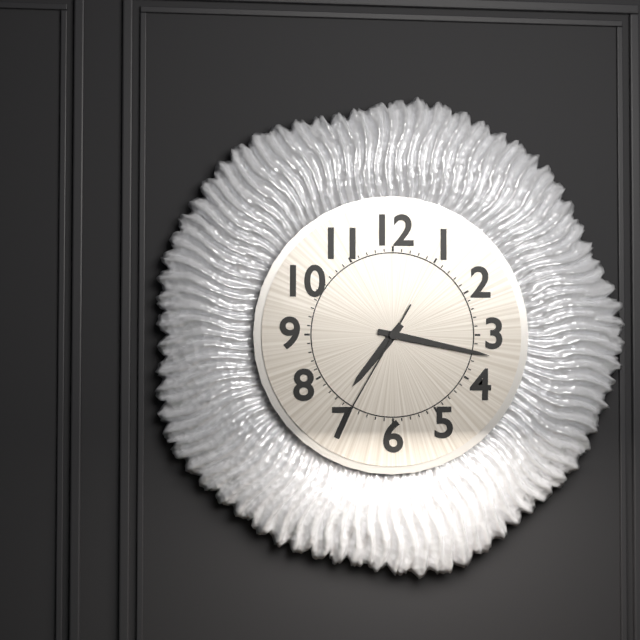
7:17:35
